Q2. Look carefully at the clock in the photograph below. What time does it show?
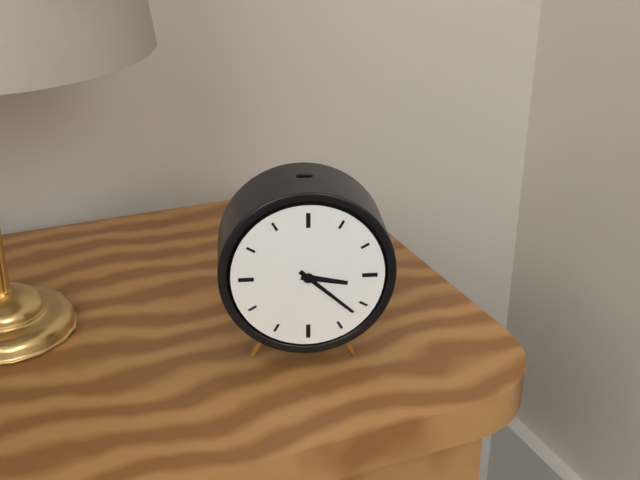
3:22
